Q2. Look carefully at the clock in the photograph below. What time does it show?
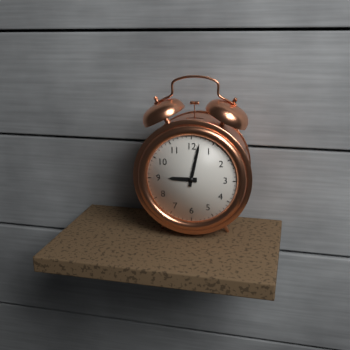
9:02
